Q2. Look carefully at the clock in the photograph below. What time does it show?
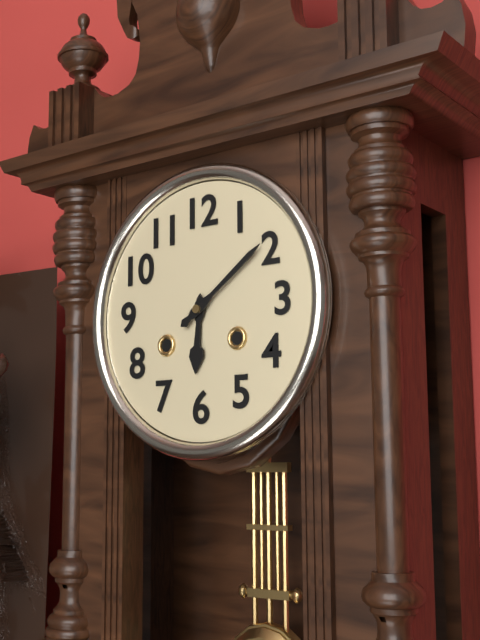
6:09
